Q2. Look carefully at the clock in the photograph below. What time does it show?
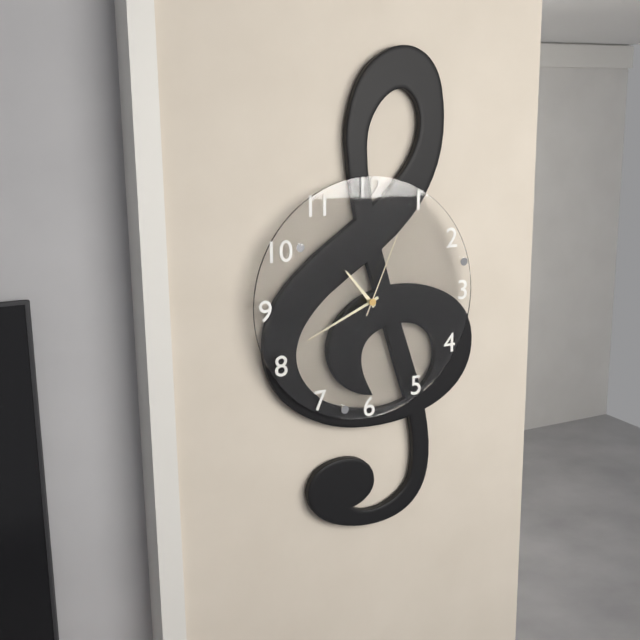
10:41:04
